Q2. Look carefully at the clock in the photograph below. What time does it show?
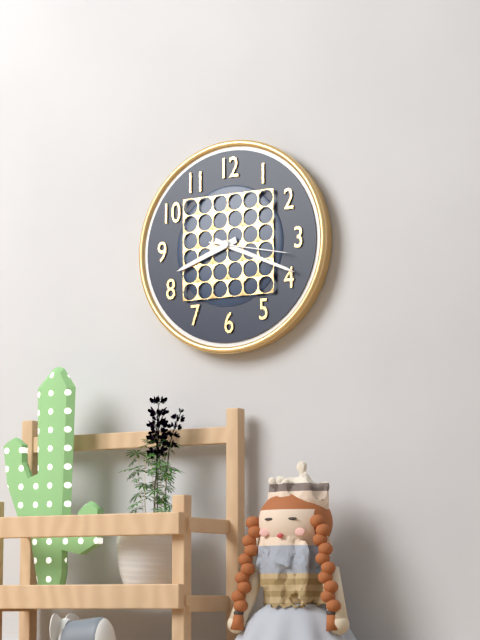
8:19:17
